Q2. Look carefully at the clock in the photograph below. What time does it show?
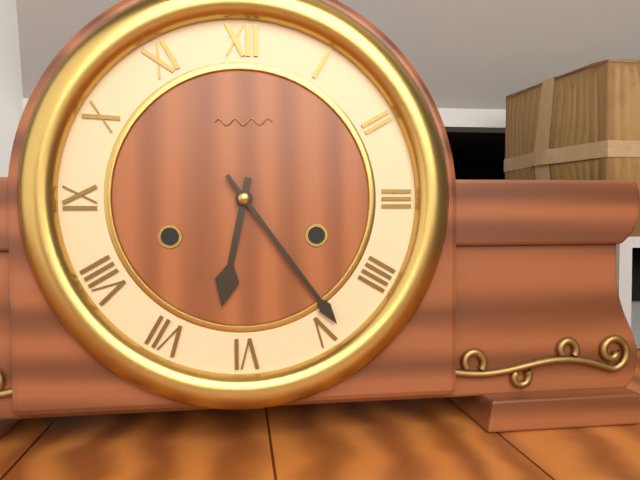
6:24
